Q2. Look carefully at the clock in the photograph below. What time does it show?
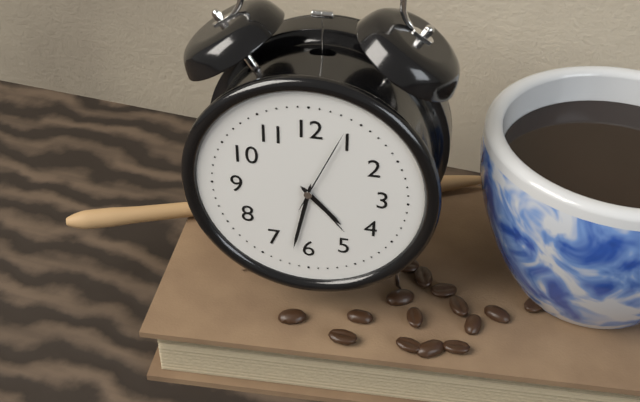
4:32:04
